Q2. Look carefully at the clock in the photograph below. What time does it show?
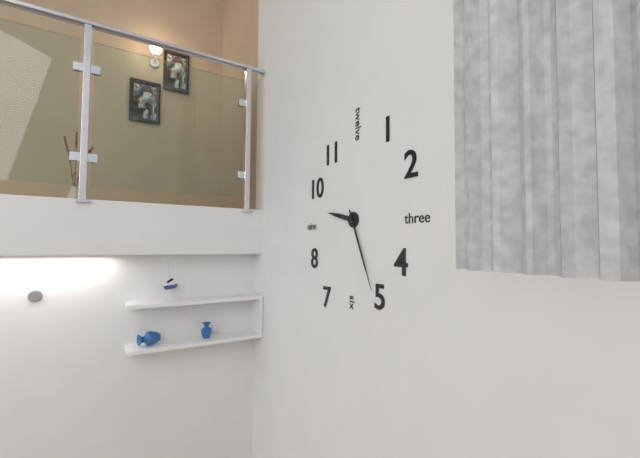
9:26
